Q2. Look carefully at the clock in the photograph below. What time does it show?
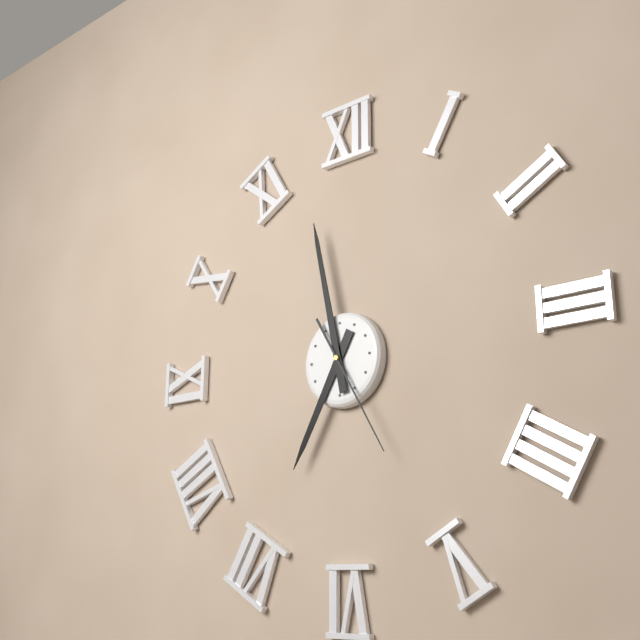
6:58:25
